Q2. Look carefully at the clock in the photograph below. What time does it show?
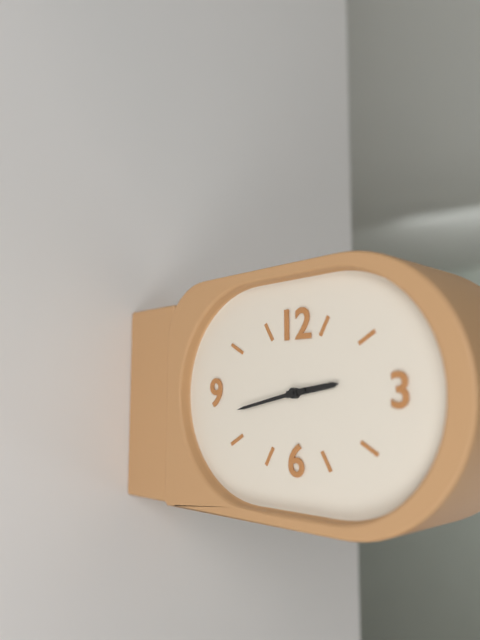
2:43
